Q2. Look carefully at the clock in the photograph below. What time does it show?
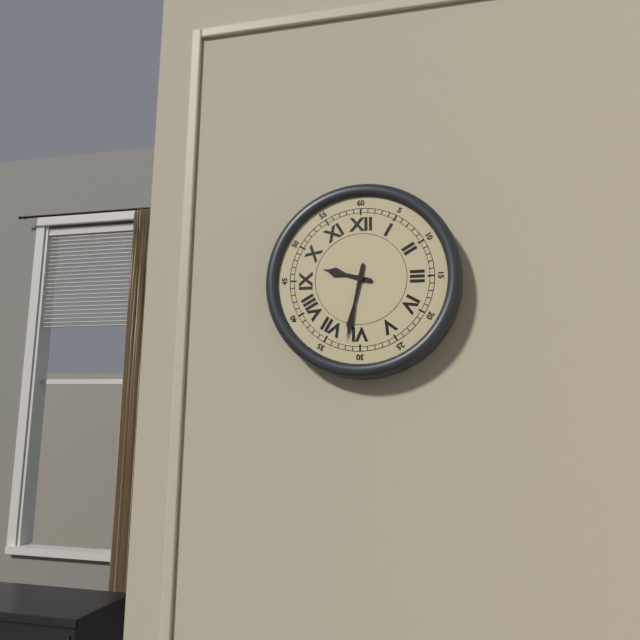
9:32
